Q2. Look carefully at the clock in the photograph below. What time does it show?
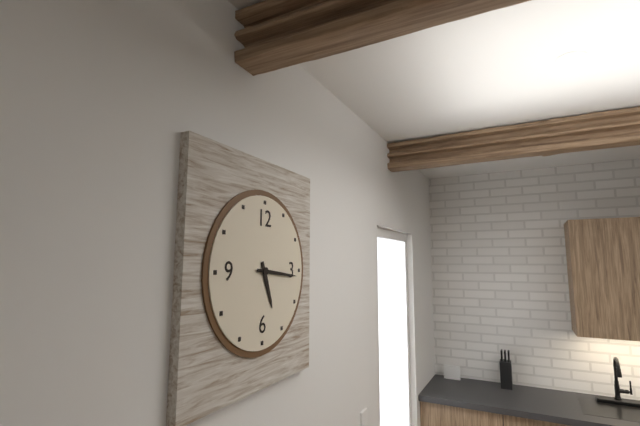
5:16
